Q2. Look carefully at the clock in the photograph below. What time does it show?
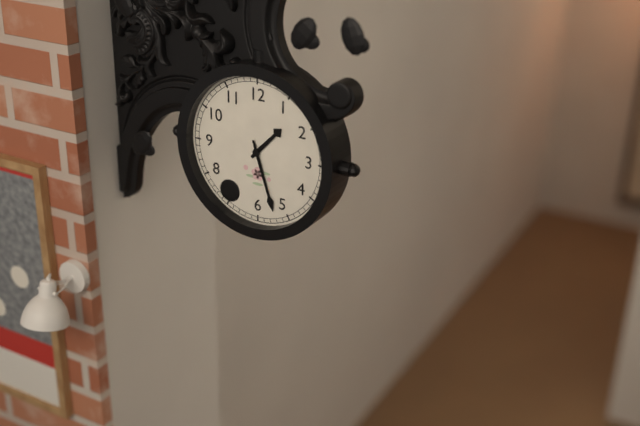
1:27
